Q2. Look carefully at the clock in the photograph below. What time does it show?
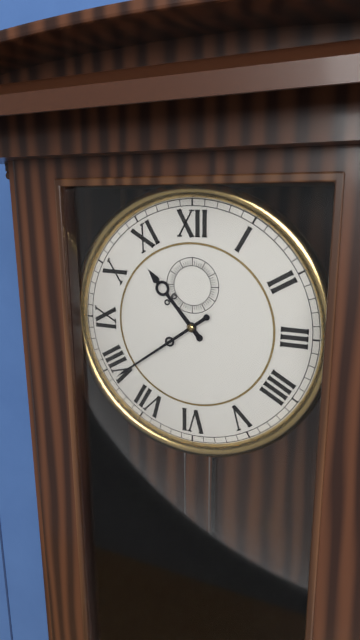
10:39
